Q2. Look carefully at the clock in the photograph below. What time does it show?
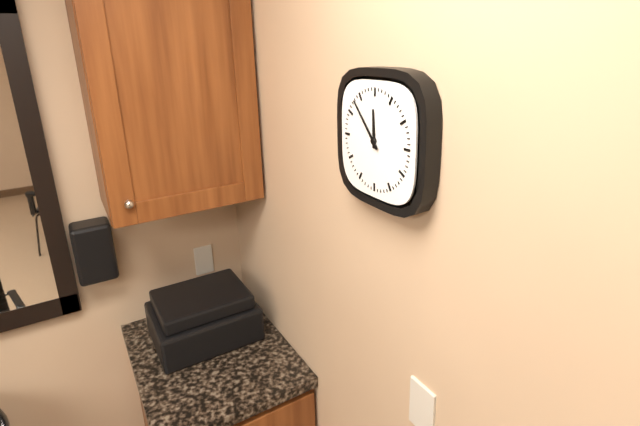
11:53
